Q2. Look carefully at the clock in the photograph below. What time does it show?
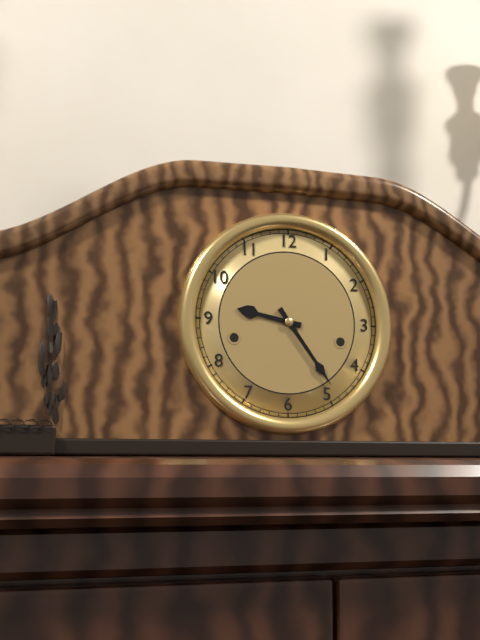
9:24
